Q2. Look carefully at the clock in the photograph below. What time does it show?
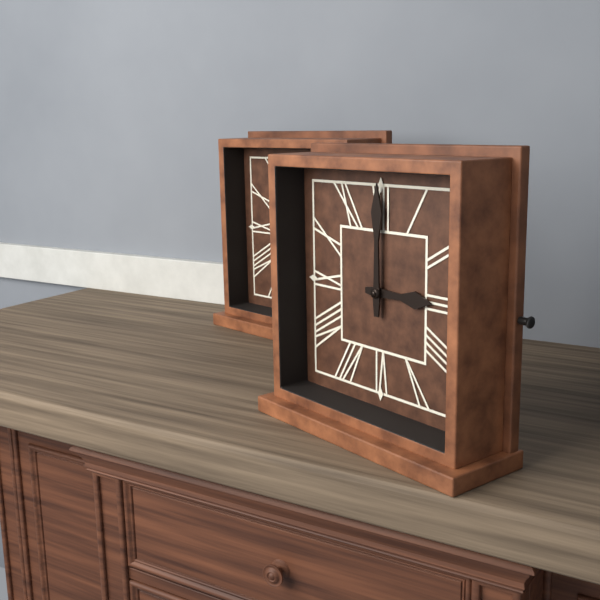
3:00
